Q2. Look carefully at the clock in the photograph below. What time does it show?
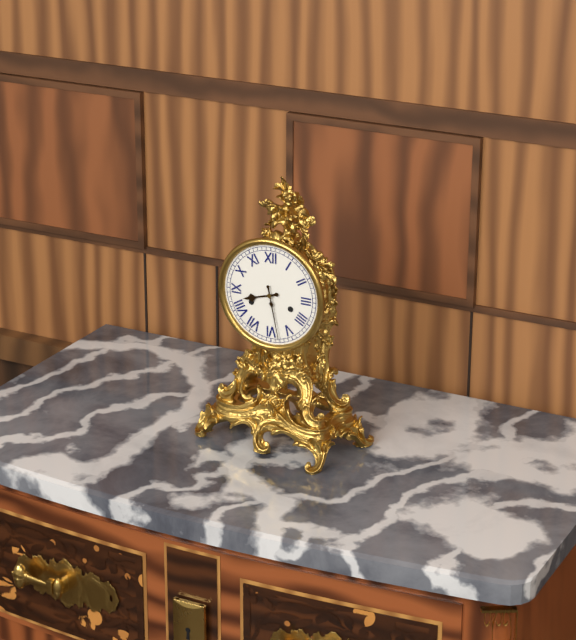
8:28
